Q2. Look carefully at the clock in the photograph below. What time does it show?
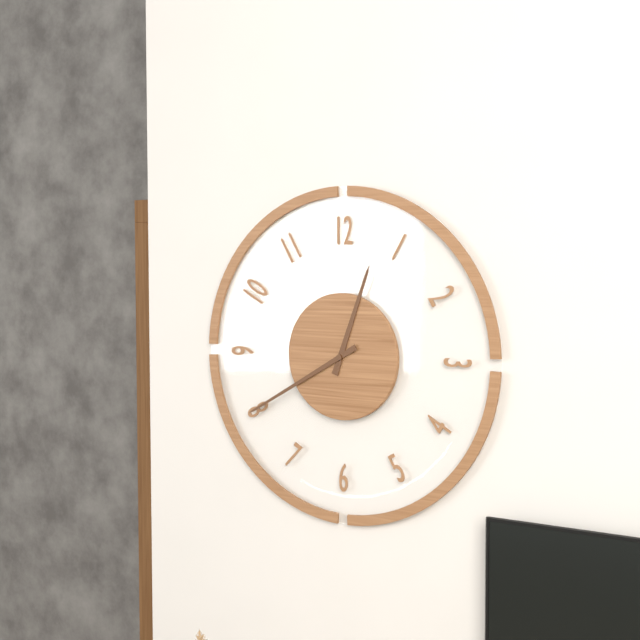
12:40
